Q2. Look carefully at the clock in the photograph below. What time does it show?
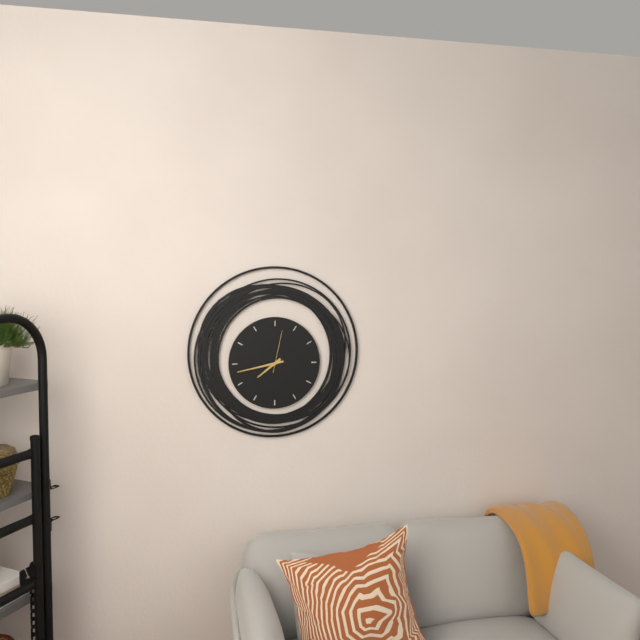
7:43
